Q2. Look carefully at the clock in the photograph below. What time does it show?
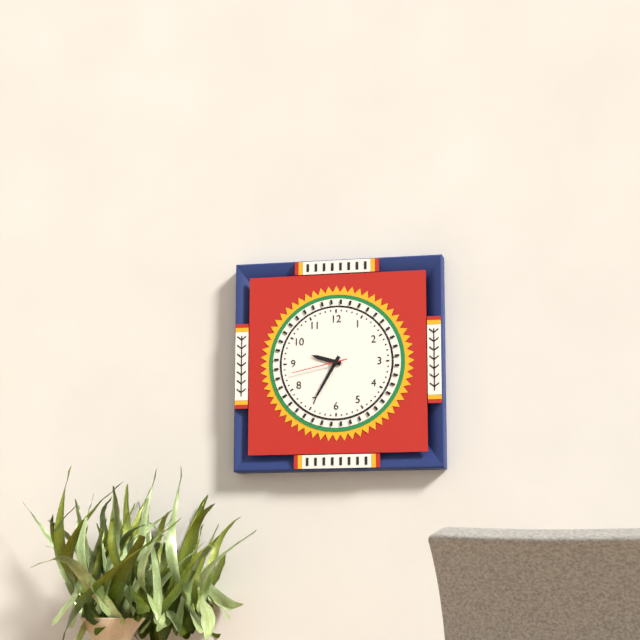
9:35:43
